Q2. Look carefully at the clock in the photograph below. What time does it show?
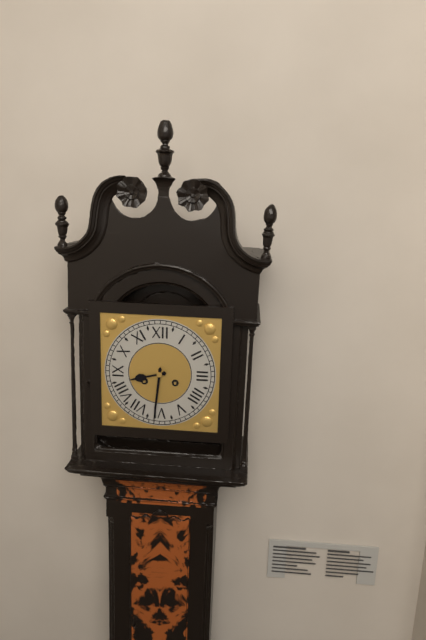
8:31
